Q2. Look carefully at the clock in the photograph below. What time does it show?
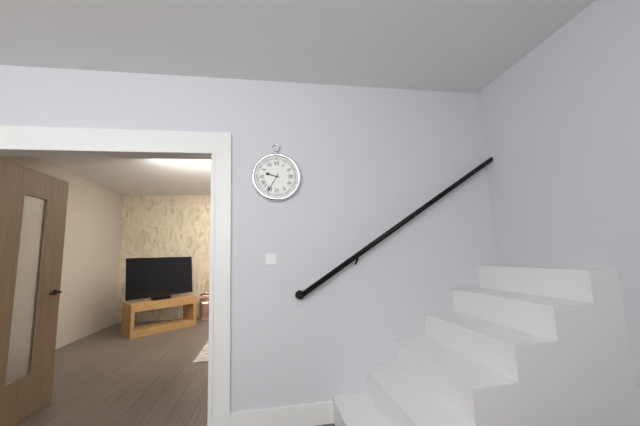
9:35
